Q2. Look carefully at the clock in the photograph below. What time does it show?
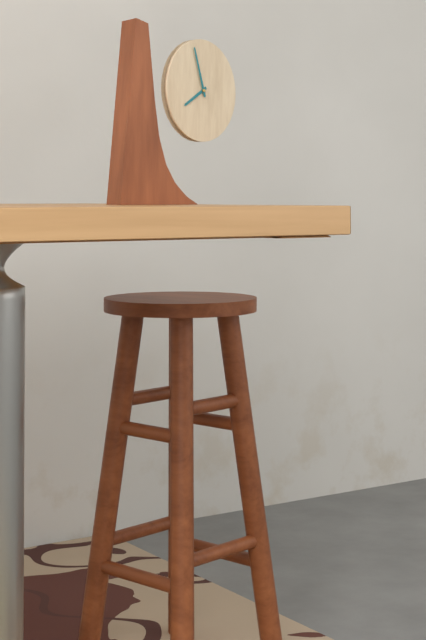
7:57
